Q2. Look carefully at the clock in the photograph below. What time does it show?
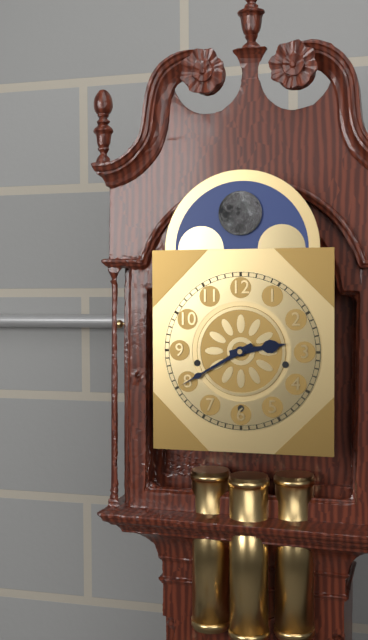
2:40
